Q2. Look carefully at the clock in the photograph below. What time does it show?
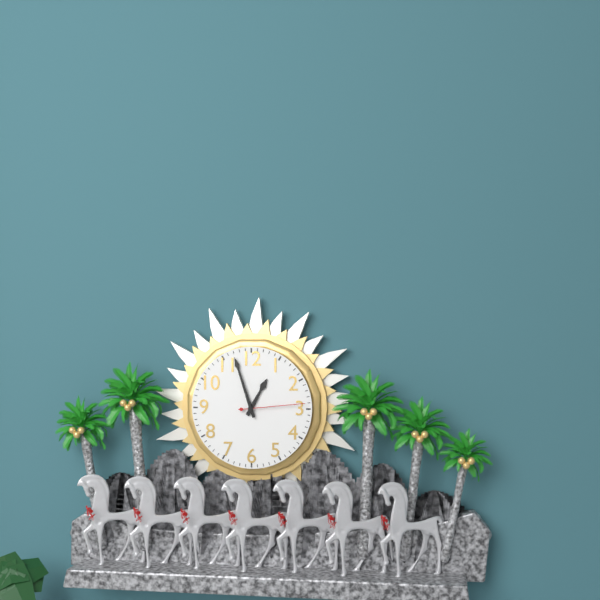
12:57:14
